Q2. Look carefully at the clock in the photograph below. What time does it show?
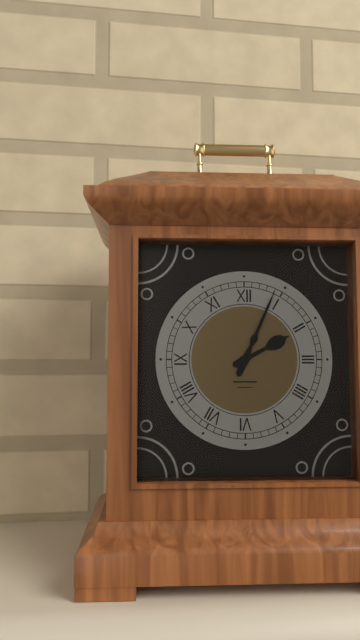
2:04
